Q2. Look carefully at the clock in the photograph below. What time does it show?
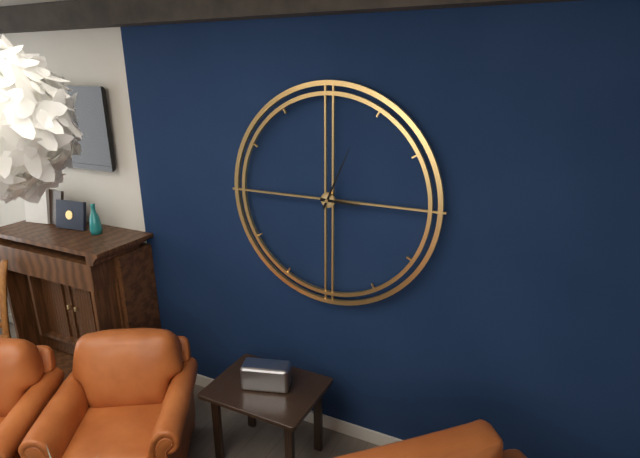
3:04
